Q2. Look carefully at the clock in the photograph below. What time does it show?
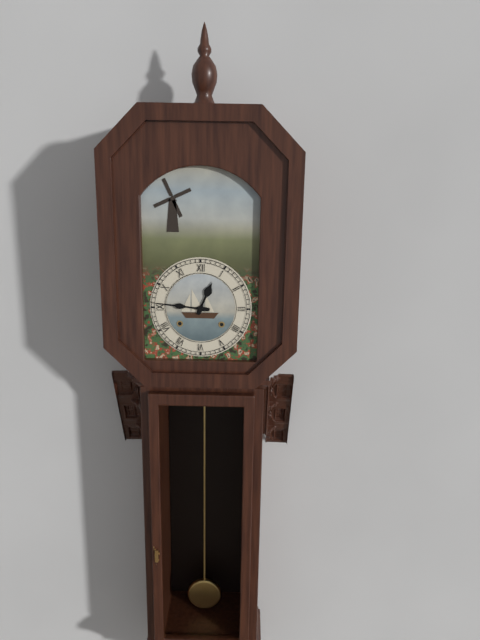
12:46
